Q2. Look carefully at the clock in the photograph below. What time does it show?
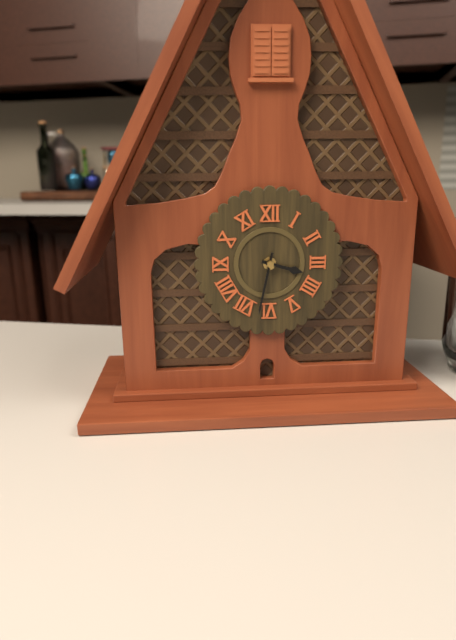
3:32
